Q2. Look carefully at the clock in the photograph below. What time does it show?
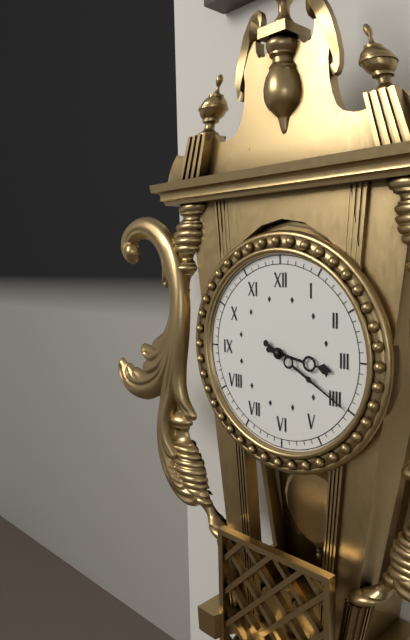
3:20
